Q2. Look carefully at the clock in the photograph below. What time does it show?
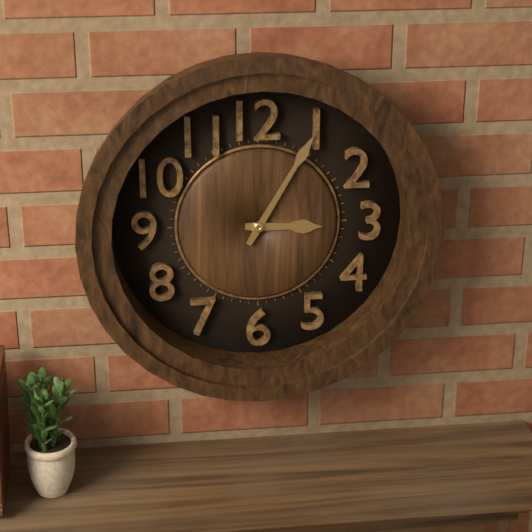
3:05
